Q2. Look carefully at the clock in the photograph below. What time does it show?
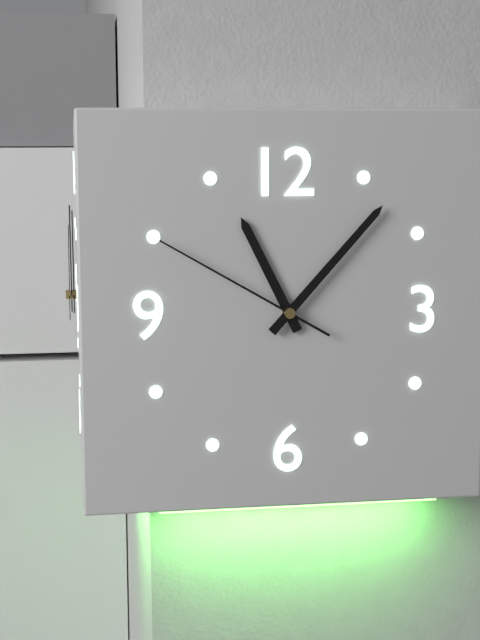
11:07:50
